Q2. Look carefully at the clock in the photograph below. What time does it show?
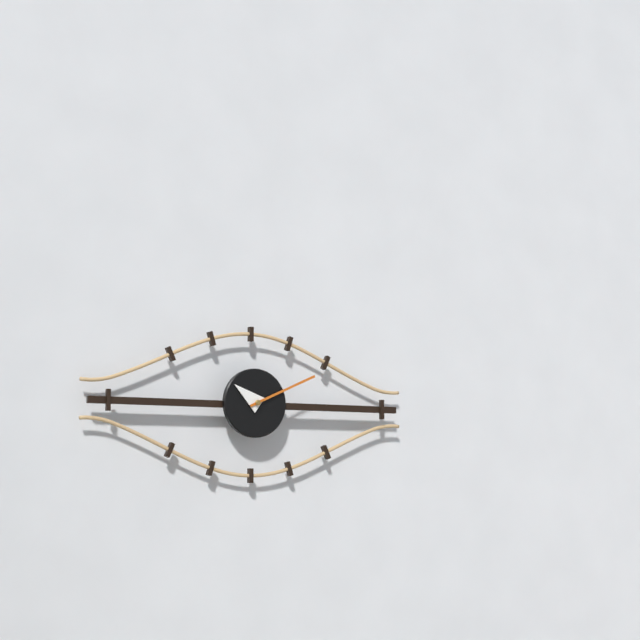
10:11
